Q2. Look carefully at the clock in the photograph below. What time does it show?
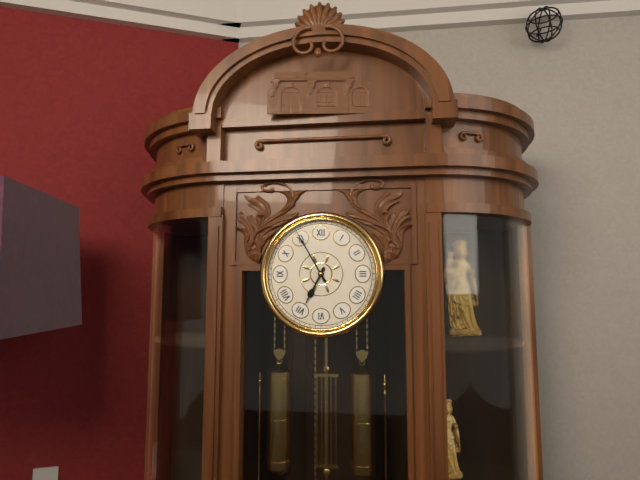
6:55
